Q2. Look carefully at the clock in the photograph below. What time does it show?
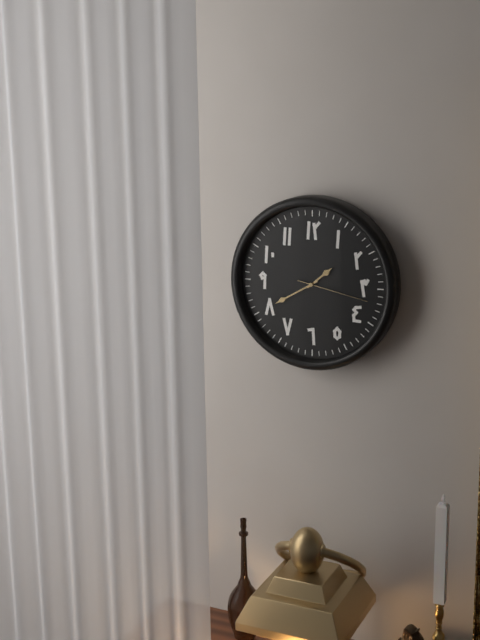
1:40:17
